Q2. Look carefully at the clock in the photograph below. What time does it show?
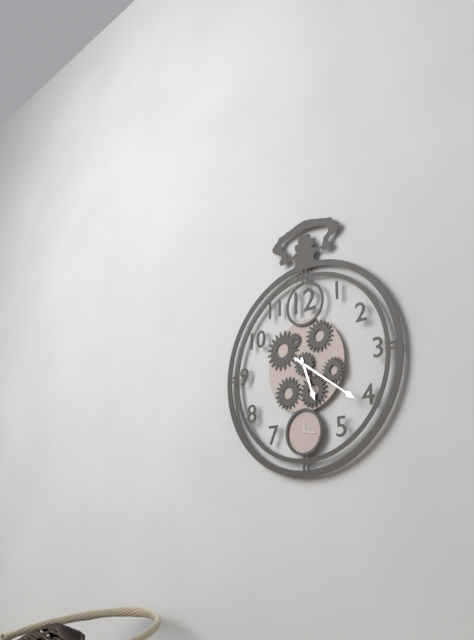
5:21
